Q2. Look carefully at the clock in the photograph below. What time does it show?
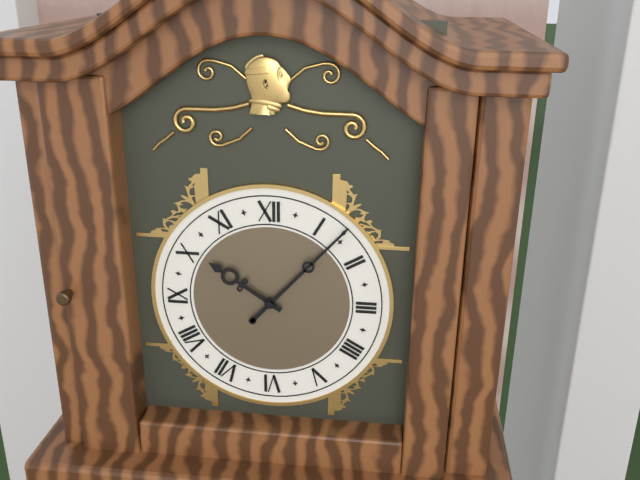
10:07
